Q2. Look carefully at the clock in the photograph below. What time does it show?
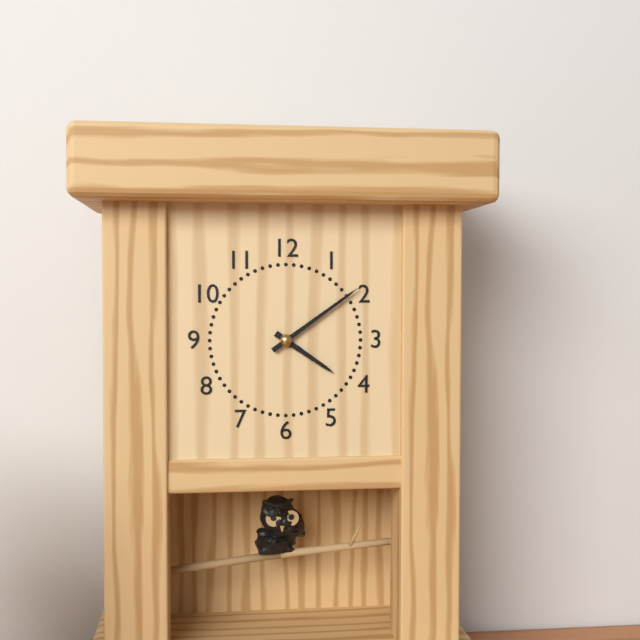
4:09
